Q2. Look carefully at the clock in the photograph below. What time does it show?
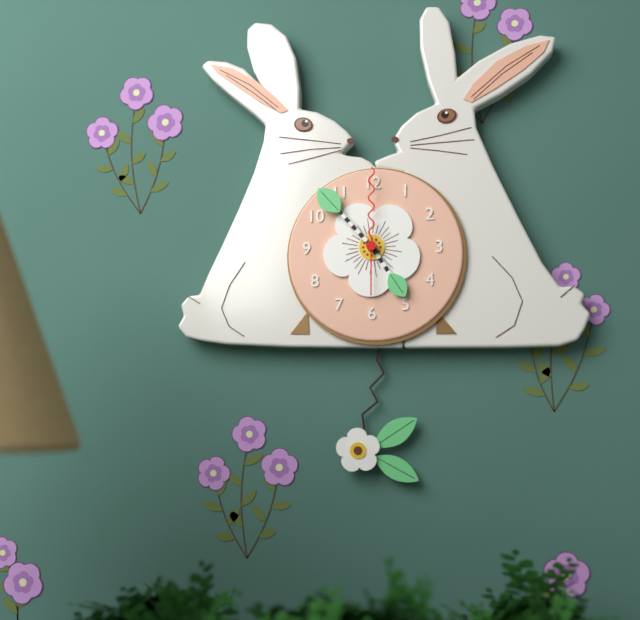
4:53:00
